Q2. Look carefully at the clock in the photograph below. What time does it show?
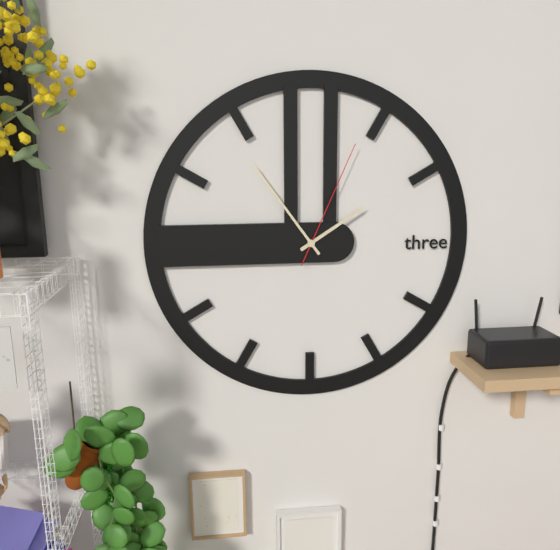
1:54:04
